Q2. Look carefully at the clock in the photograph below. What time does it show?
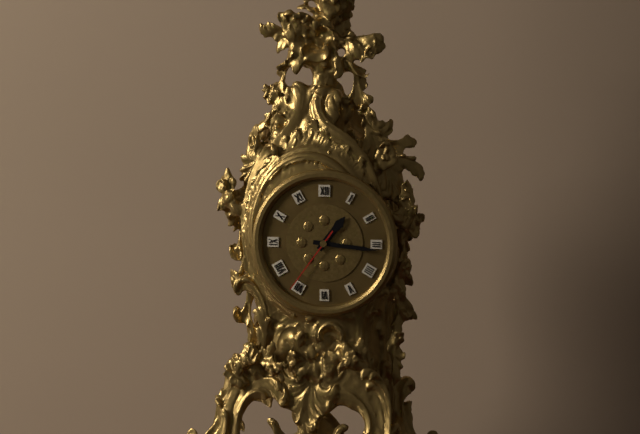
1:16:36
